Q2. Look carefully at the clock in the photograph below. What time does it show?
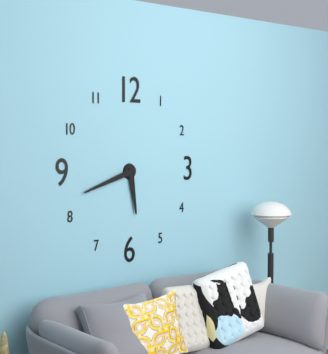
5:42
